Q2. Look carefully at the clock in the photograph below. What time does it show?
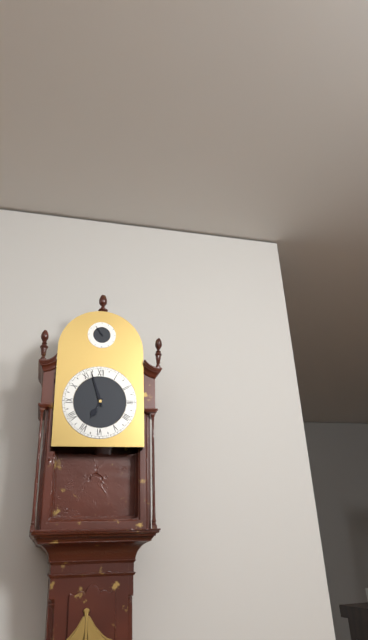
6:57
